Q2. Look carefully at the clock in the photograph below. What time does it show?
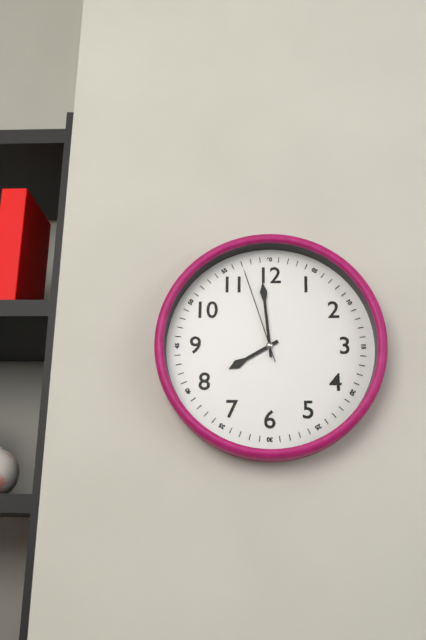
7:59:57
